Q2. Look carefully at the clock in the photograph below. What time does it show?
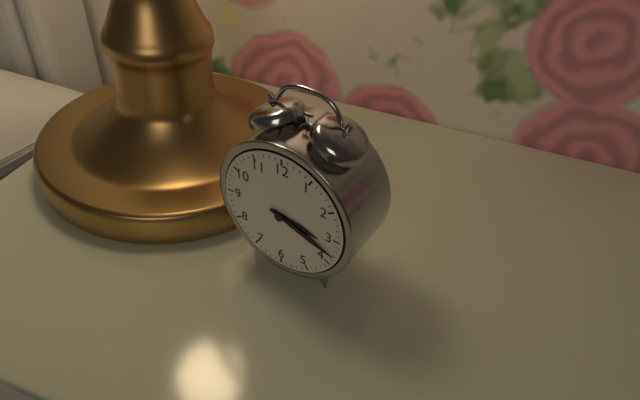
3:18
